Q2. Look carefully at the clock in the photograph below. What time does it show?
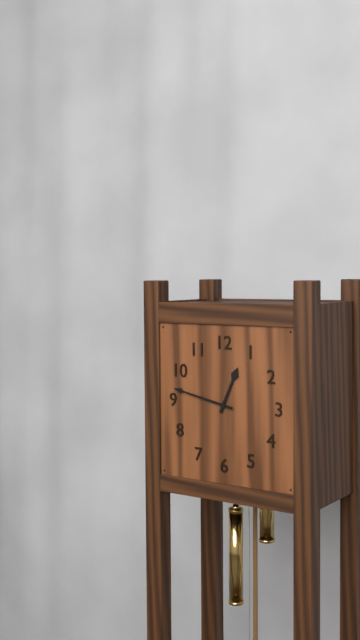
12:47
